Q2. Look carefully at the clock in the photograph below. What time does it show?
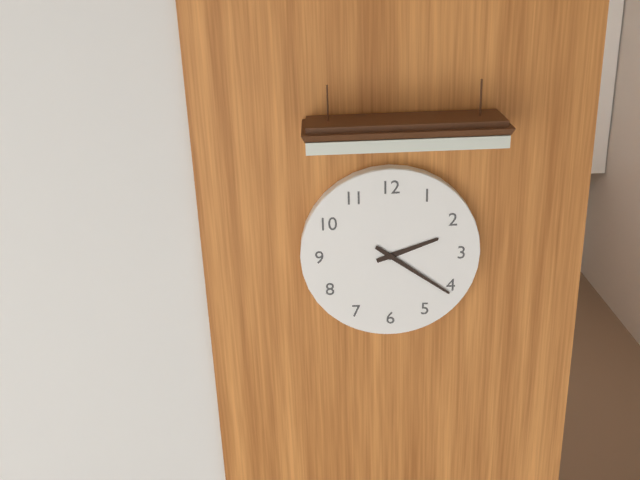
2:21
